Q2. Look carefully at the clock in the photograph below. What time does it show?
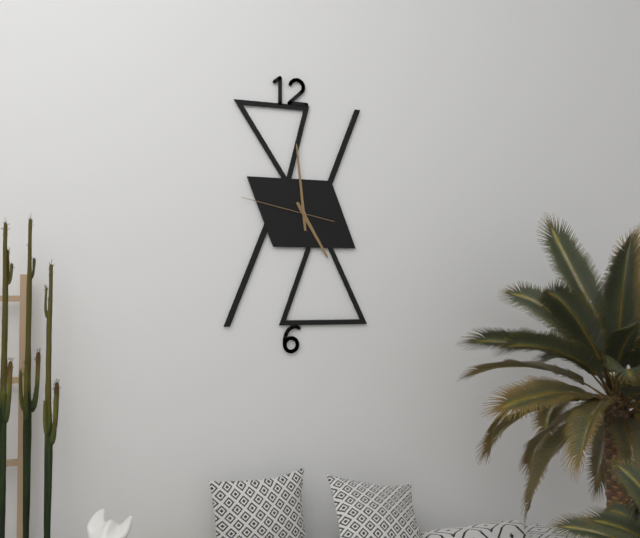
4:59:47
